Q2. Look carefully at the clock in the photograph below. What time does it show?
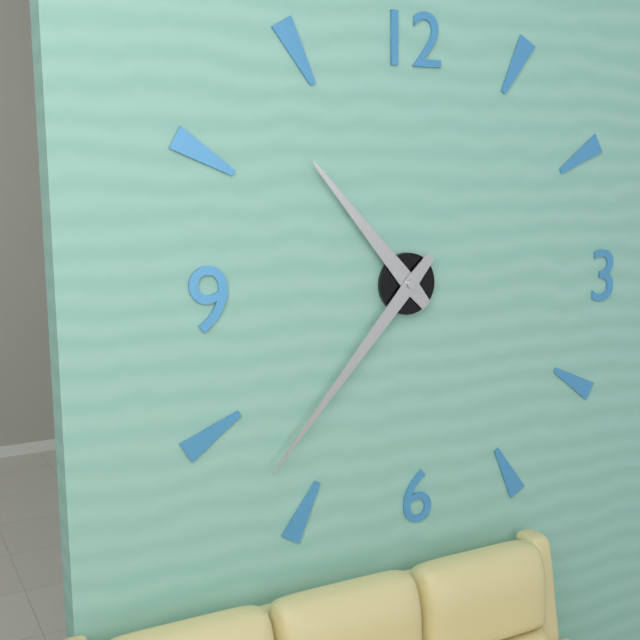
10:37
